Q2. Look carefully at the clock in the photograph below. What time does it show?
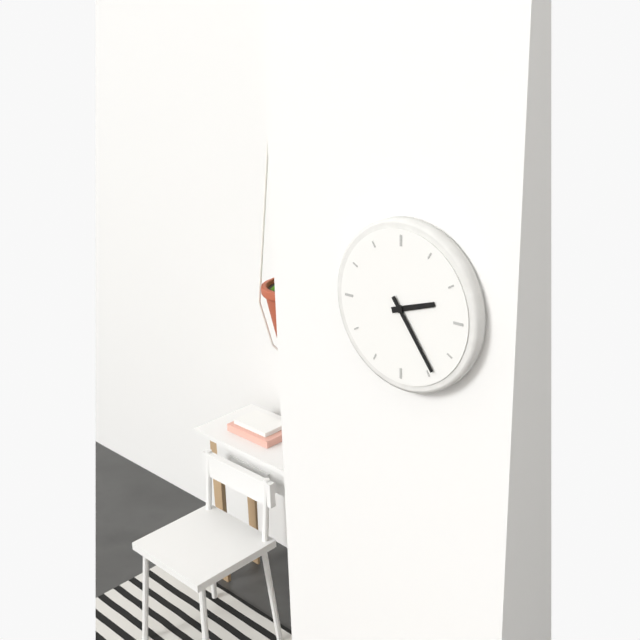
2:24
